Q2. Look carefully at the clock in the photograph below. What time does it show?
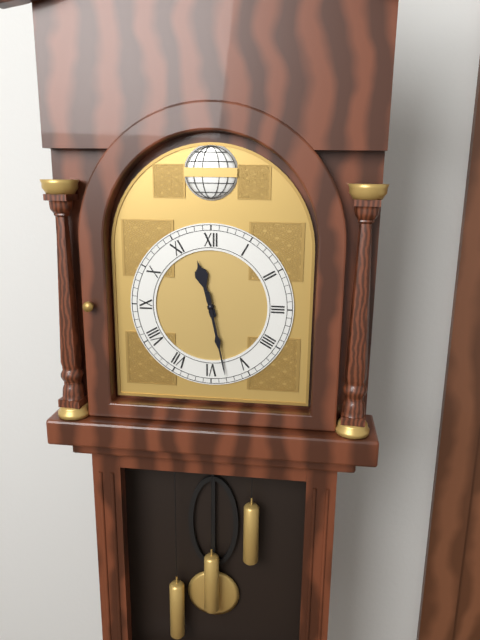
11:28
